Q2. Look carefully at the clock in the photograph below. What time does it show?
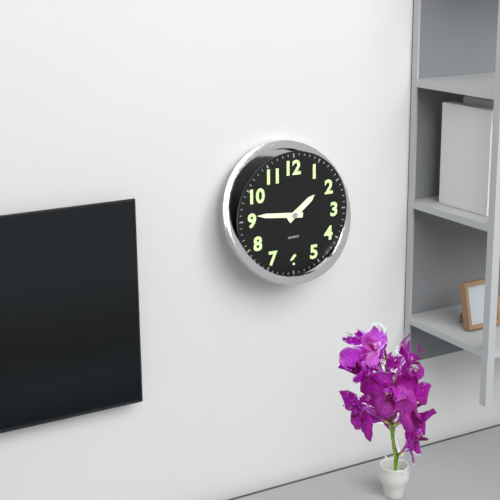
1:46
